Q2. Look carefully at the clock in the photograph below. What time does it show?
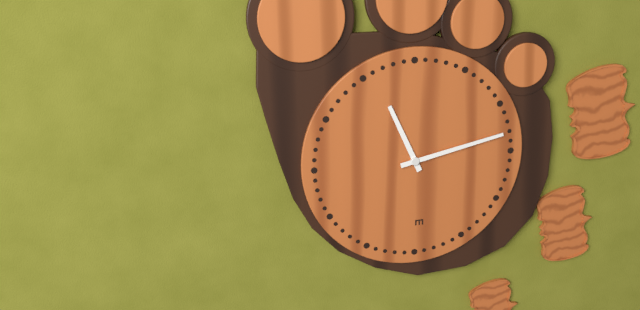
11:13
